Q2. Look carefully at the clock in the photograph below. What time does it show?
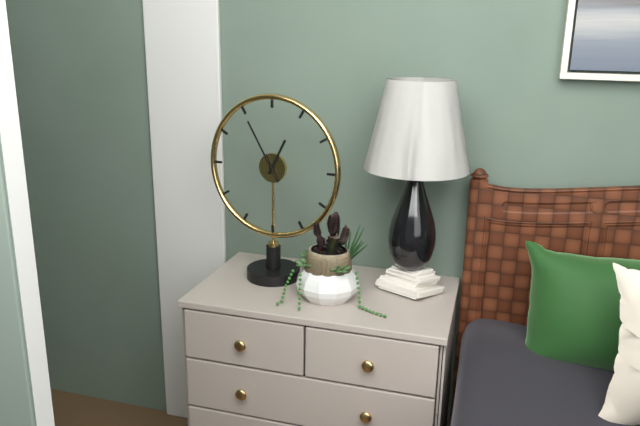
12:55
